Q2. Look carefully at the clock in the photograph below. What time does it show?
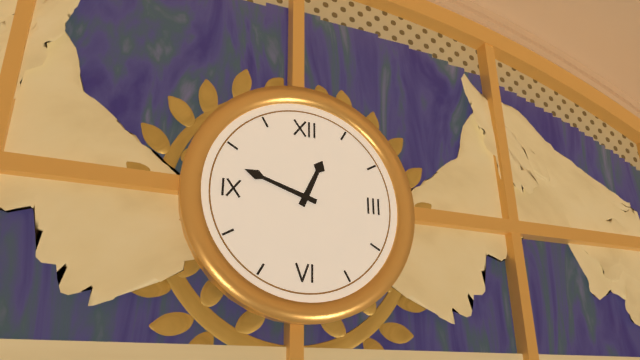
12:48
